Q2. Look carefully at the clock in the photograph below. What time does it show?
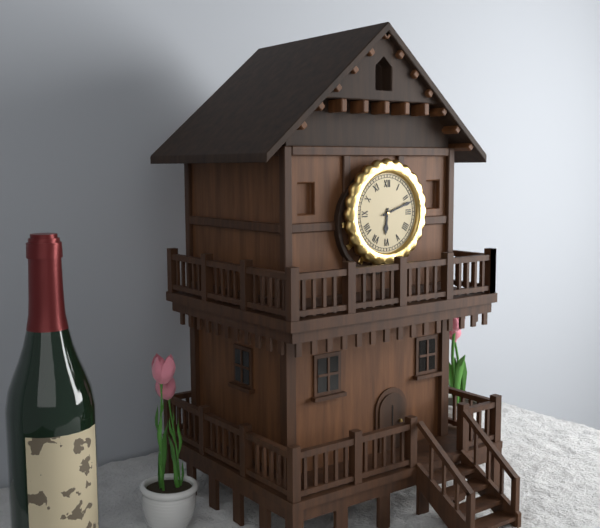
6:12
